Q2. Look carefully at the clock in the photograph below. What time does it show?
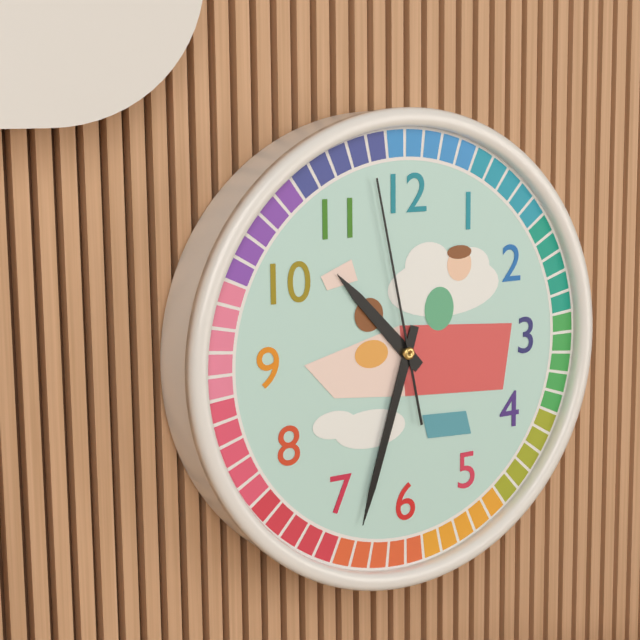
10:33:58
